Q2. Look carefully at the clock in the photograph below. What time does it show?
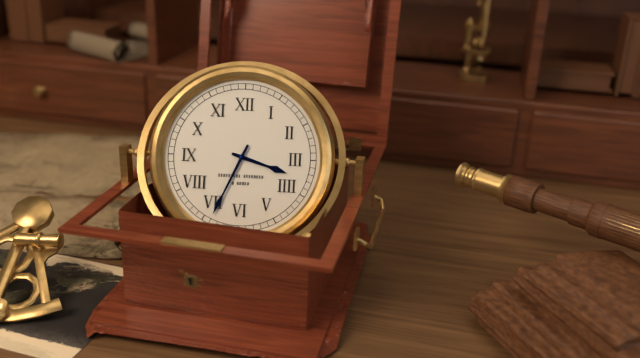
3:34
